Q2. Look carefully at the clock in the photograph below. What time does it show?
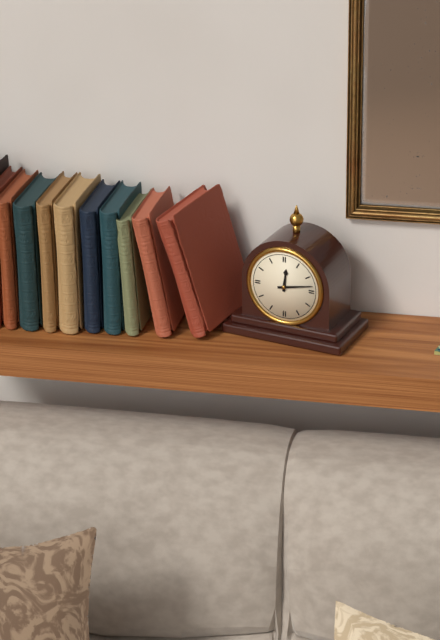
12:13
